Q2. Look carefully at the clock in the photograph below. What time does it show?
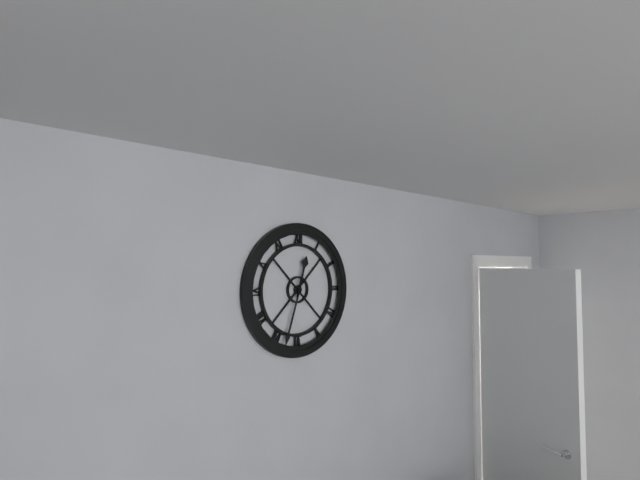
12:33
